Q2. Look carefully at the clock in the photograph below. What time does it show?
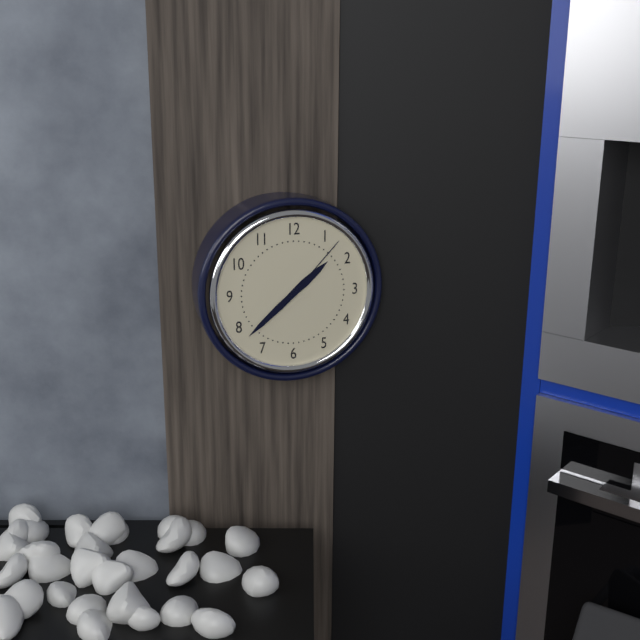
1:38:07
